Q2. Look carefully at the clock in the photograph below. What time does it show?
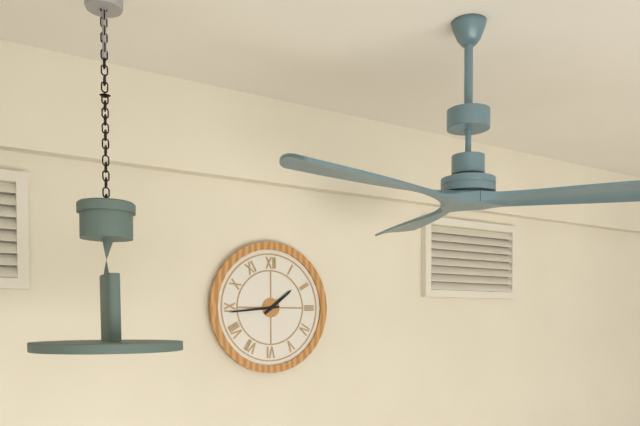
1:44
